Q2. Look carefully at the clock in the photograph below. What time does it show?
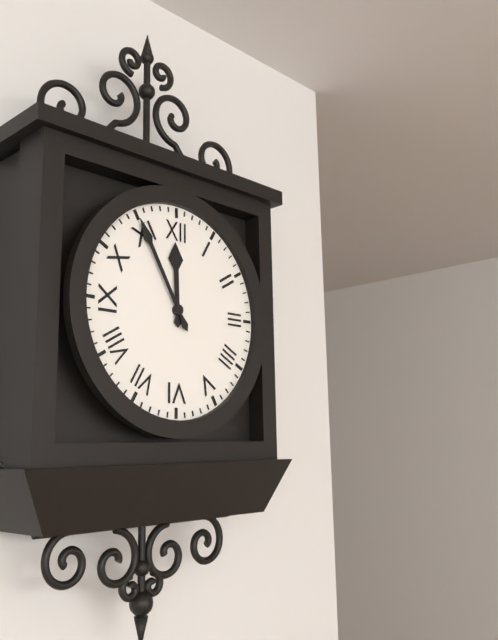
11:55
